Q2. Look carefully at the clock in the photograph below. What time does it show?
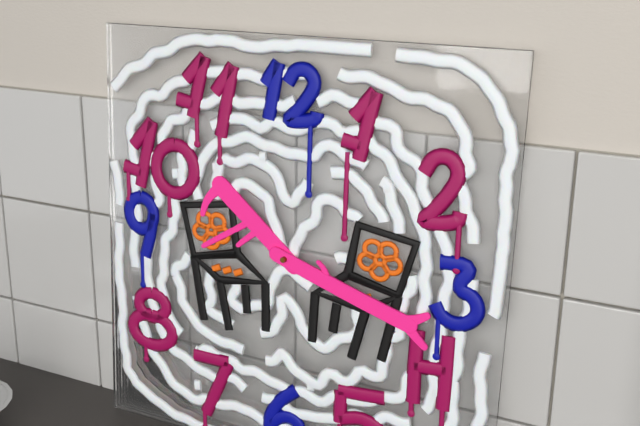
10:18
